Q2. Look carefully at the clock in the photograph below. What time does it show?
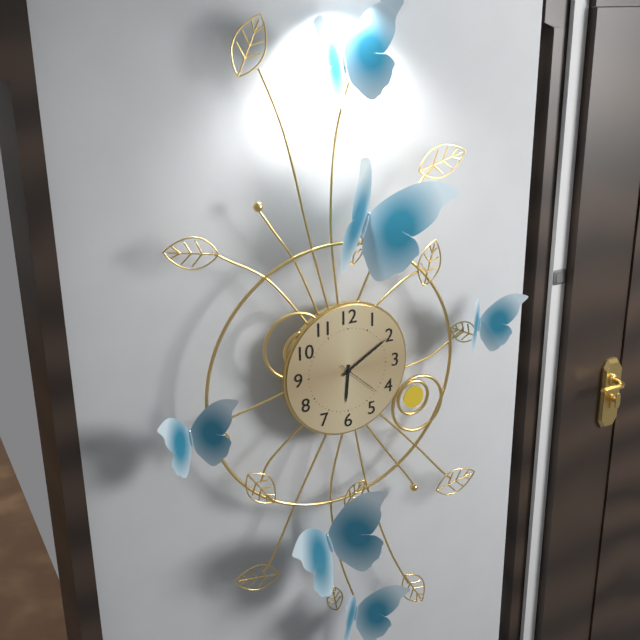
6:10
